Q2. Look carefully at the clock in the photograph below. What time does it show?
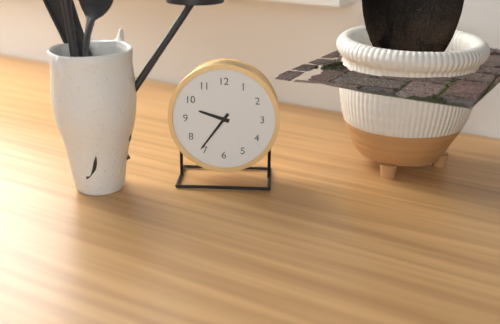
9:36
